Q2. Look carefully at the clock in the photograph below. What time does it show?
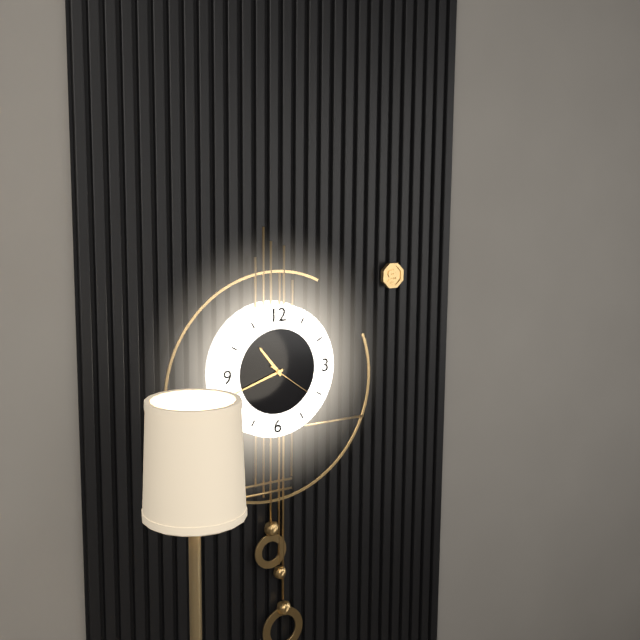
10:42:21
